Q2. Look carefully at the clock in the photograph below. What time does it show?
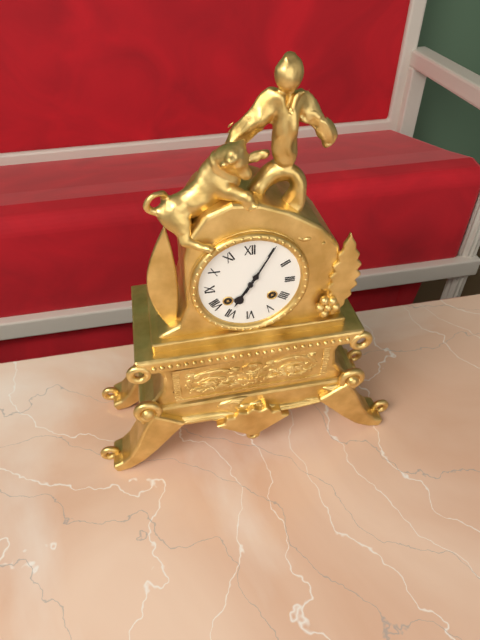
7:05
